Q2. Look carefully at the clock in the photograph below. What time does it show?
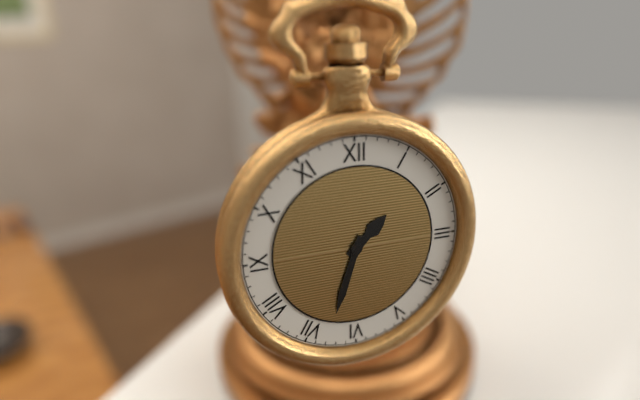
1:33
